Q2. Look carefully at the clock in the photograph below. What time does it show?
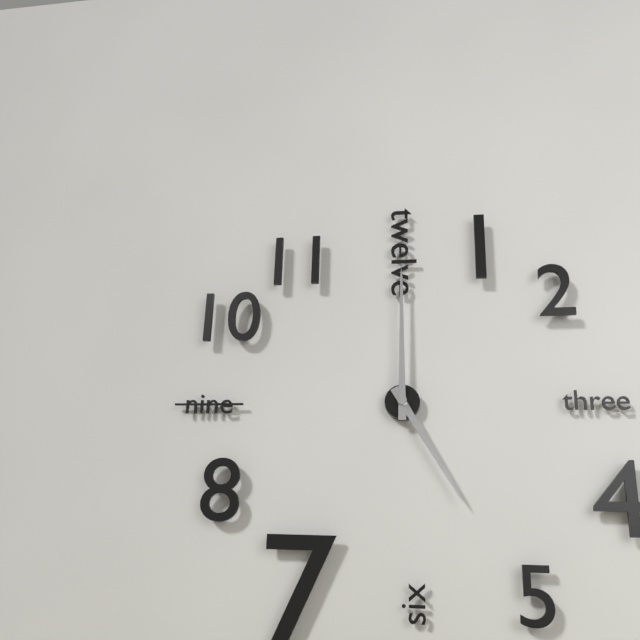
5:00
